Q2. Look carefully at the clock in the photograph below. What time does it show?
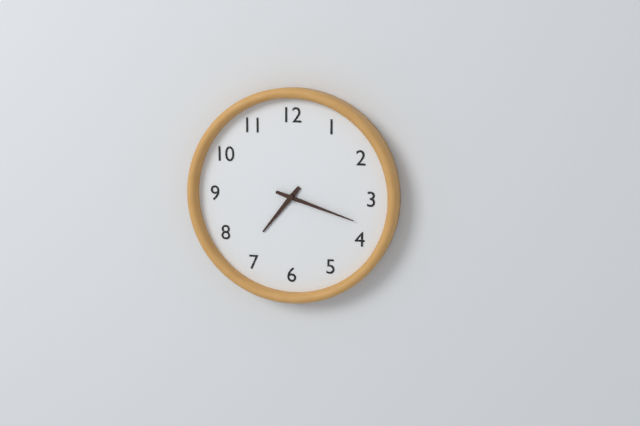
7:18
